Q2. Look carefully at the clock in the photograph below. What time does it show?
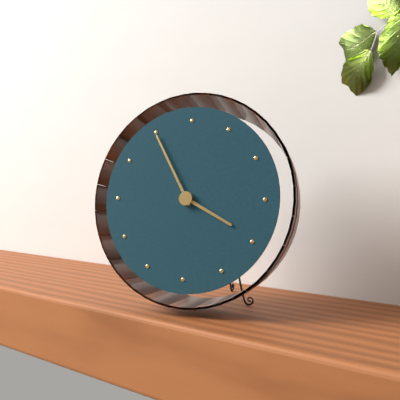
3:55
